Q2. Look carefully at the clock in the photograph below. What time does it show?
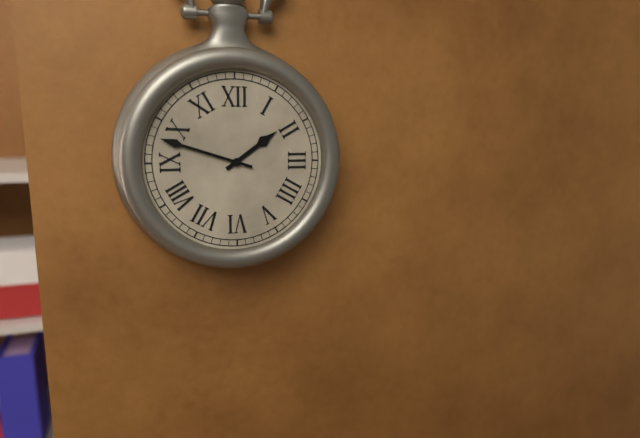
1:48
